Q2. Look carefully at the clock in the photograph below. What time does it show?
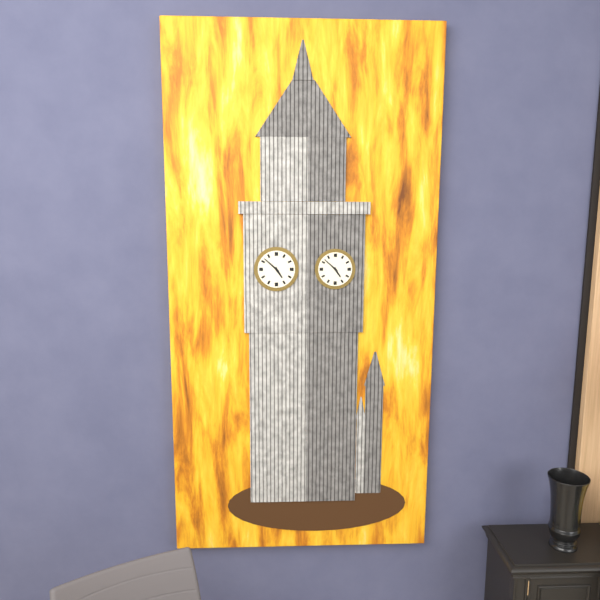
4:52
